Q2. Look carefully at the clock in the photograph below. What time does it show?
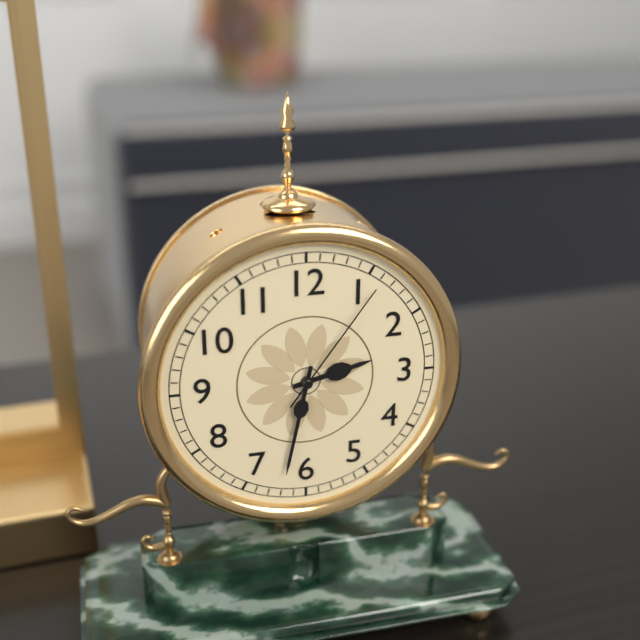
2:32:06
